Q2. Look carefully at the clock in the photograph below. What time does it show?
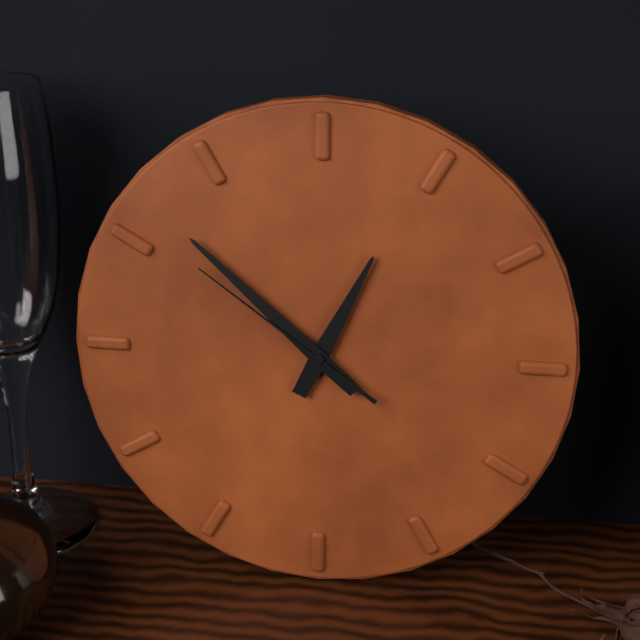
12:52:51
